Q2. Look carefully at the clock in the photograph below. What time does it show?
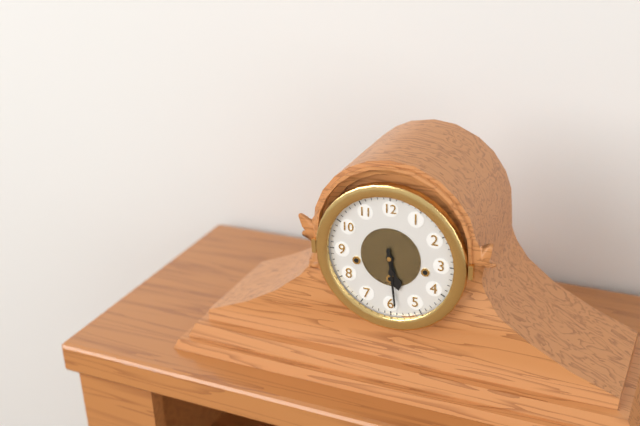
5:29
